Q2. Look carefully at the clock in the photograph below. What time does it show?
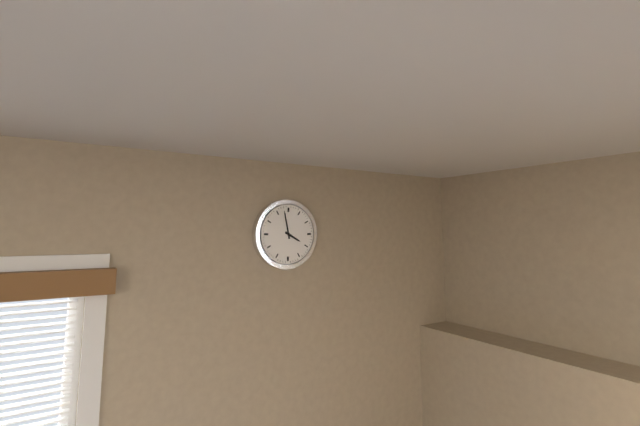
3:58
